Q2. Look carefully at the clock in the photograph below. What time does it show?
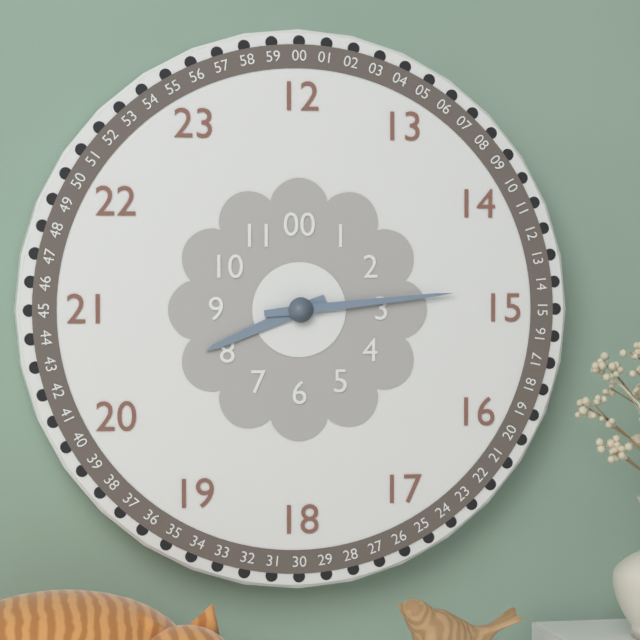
8:14
